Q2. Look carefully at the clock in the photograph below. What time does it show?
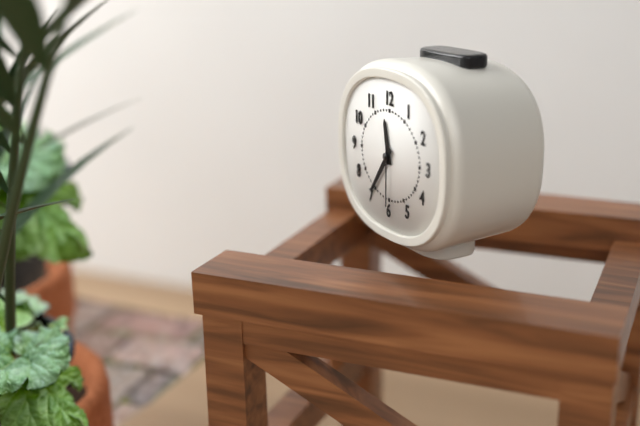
11:36:30
